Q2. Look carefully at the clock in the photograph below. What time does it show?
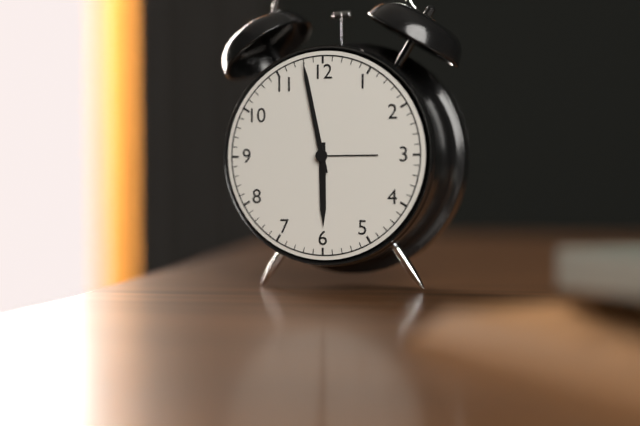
5:58
